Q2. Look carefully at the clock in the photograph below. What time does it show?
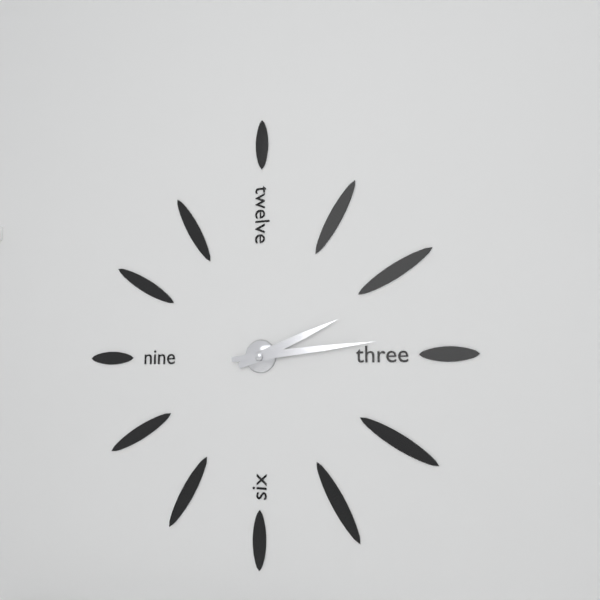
2:14
